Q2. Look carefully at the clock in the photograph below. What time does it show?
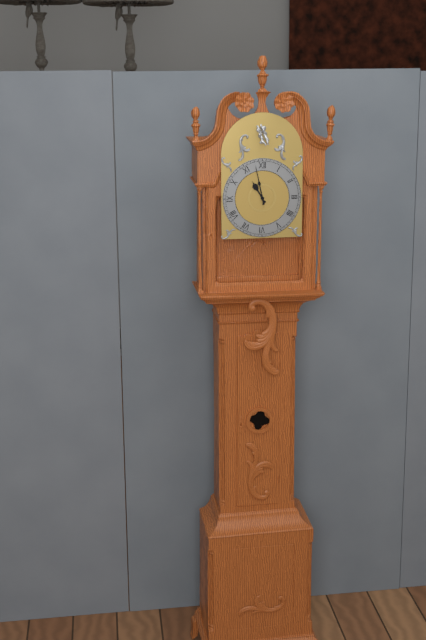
10:58
